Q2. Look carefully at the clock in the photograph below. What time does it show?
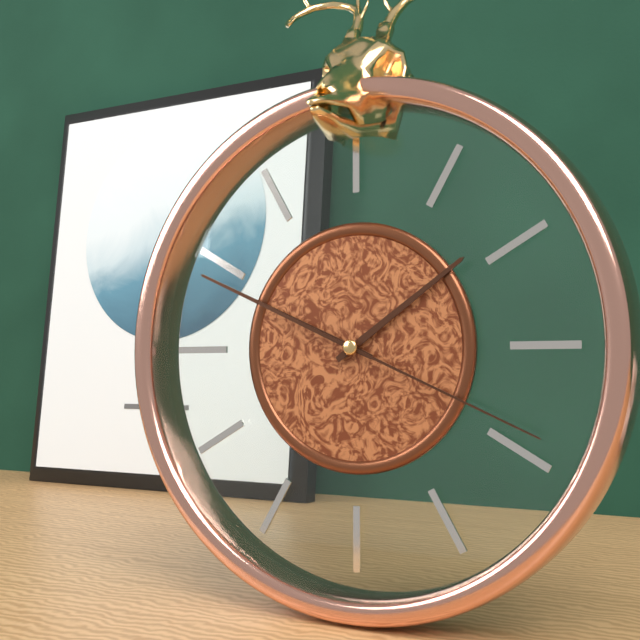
1:49:19
